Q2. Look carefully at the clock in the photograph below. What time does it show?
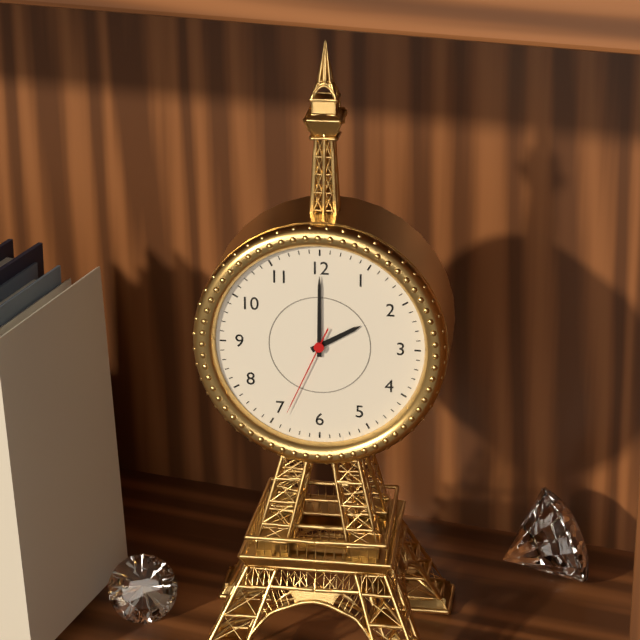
2:00:34
